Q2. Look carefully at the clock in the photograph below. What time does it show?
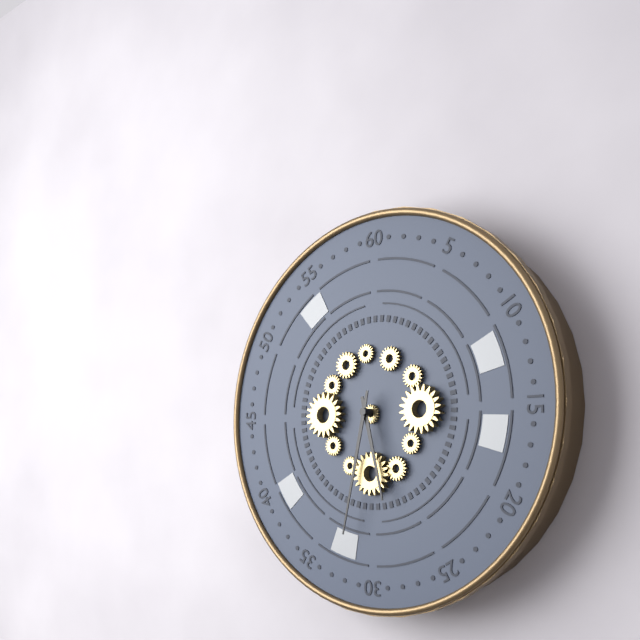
5:32
